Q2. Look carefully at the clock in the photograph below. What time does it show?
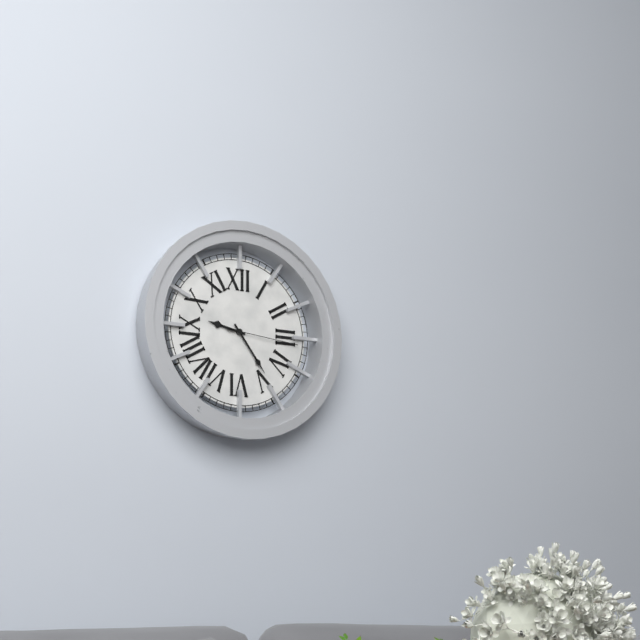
9:24:16
